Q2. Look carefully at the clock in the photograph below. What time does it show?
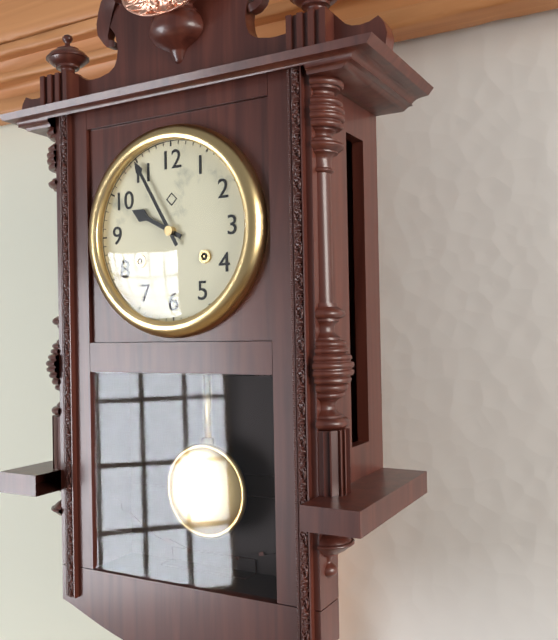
9:55
